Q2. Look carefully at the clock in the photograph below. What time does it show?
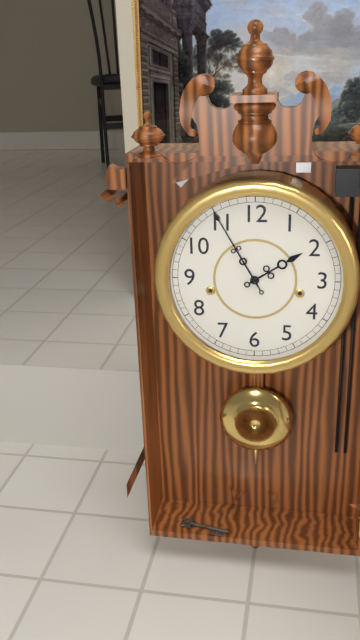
1:55
